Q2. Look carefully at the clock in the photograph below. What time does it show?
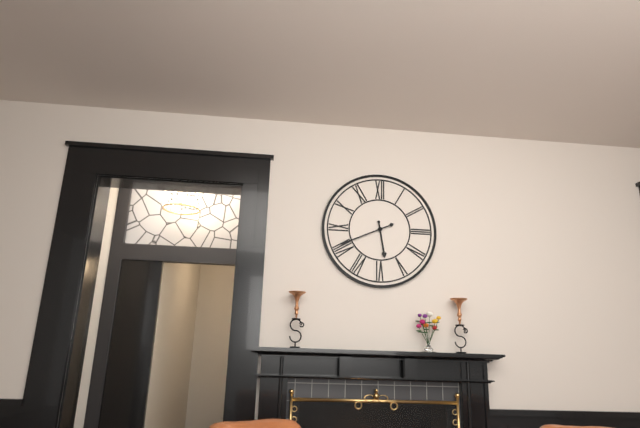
5:41
